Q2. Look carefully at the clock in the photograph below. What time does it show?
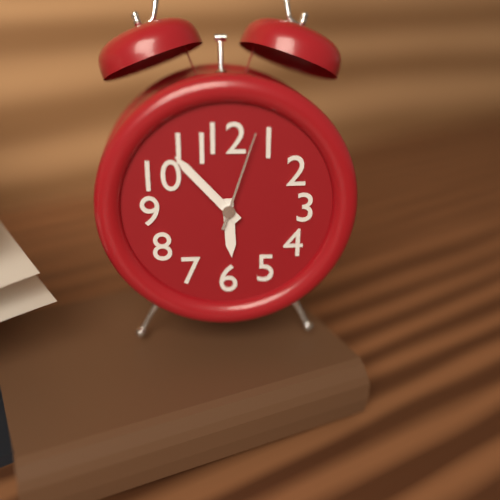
5:53:03
